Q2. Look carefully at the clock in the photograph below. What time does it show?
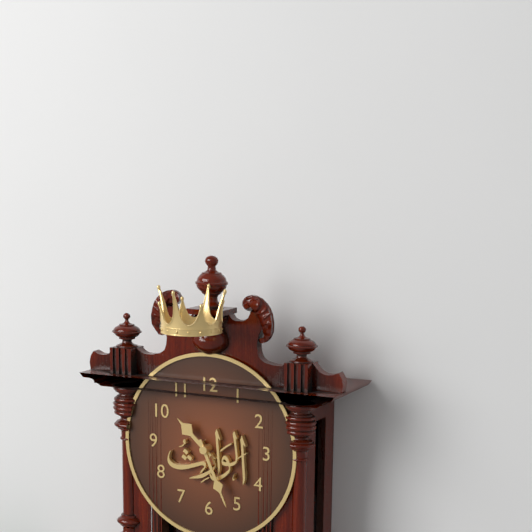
10:26
